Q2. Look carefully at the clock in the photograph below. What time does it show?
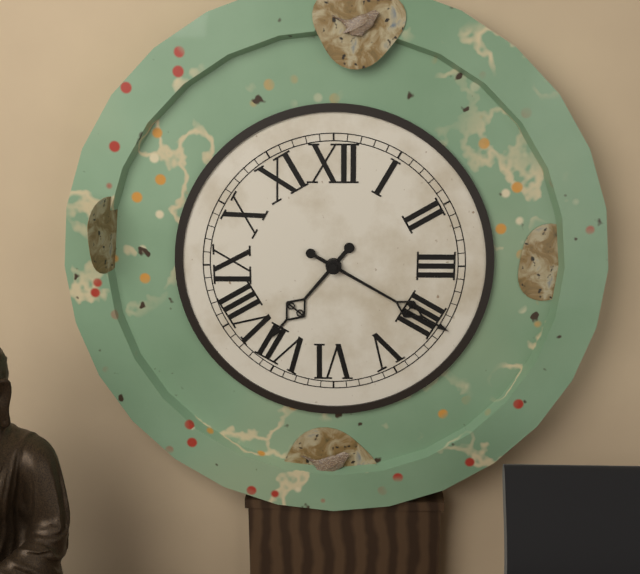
7:20
